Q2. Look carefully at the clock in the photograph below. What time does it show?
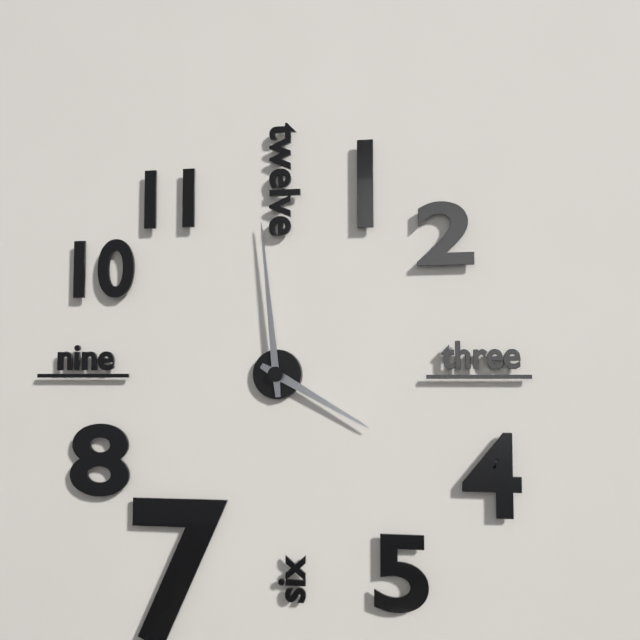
3:59
